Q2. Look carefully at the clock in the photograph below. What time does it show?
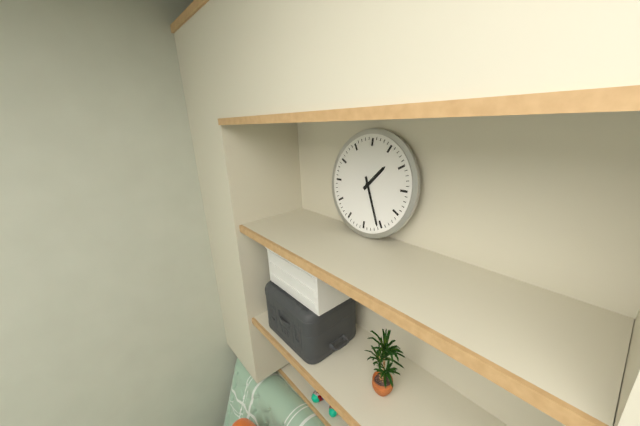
1:26
